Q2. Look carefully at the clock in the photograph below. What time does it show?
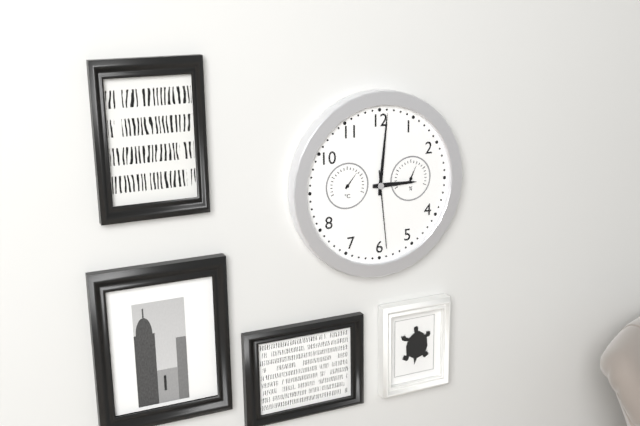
3:01:29
